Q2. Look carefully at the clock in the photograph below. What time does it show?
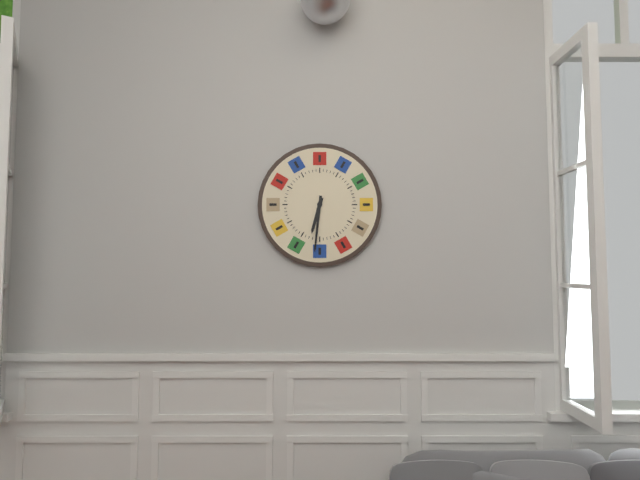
6:31
